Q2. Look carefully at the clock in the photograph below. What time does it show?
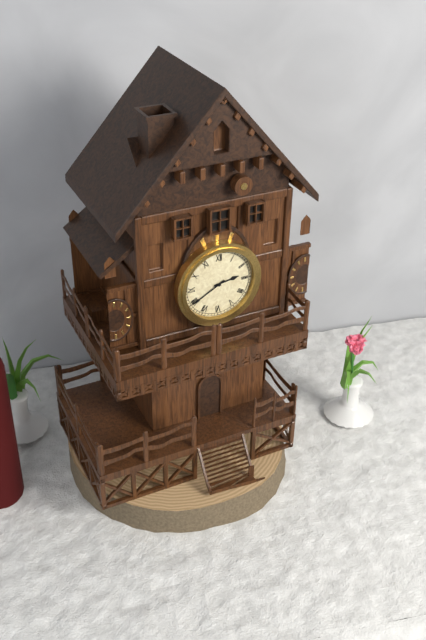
2:40
